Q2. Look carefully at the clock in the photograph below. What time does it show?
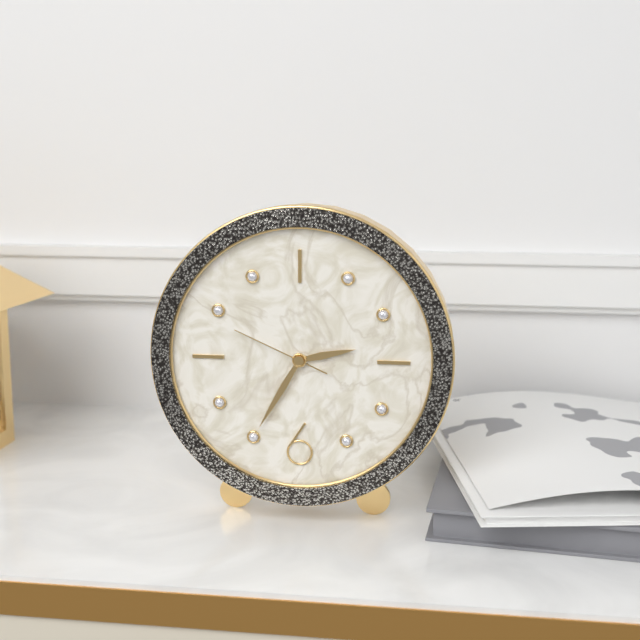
2:35:49
